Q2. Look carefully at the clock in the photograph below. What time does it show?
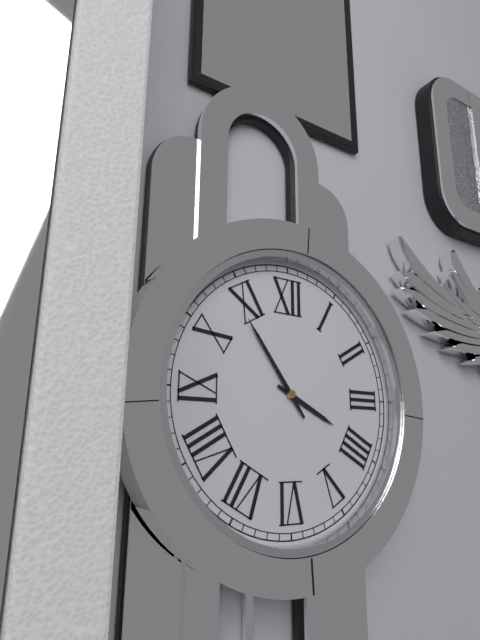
3:54
